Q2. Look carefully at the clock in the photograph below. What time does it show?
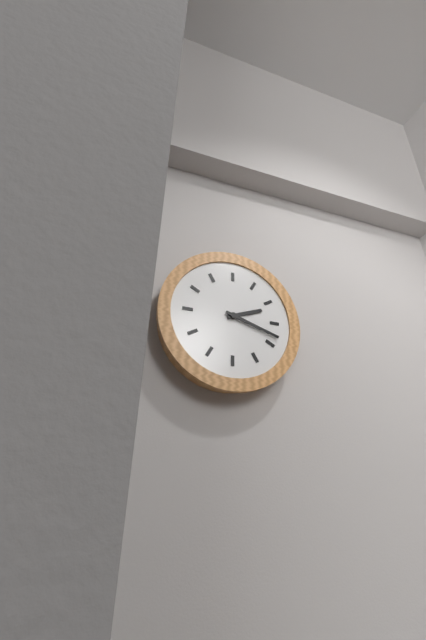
2:18
